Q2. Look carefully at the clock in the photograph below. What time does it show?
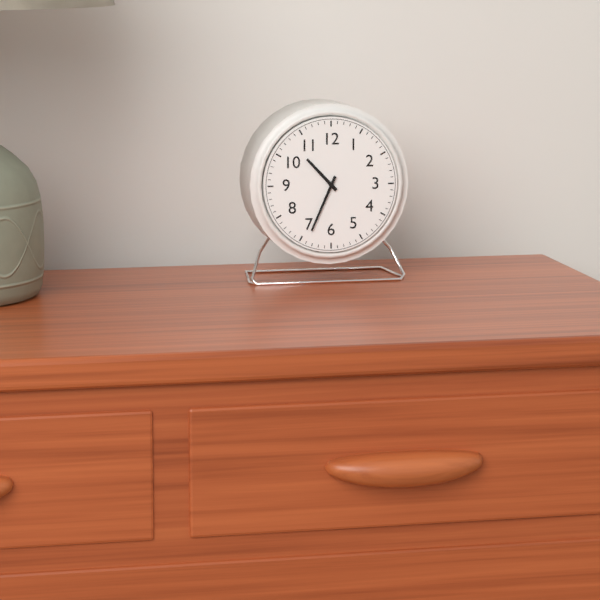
10:34
